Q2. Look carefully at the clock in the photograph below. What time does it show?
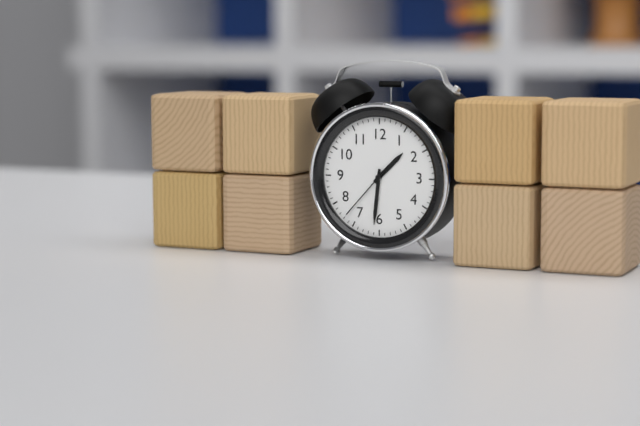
1:31:37
